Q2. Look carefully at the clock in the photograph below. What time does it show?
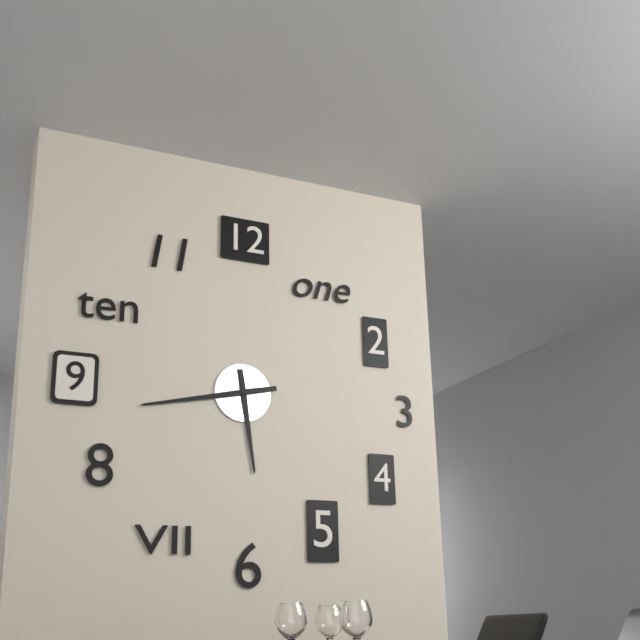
5:43
